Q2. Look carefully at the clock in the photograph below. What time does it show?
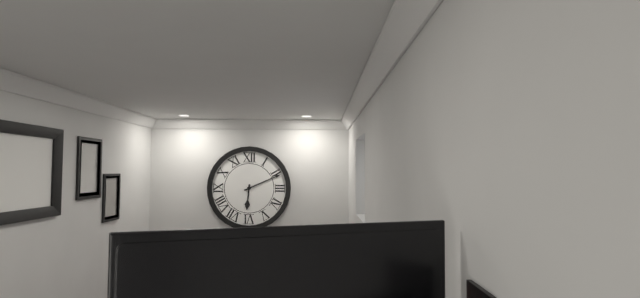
6:11
